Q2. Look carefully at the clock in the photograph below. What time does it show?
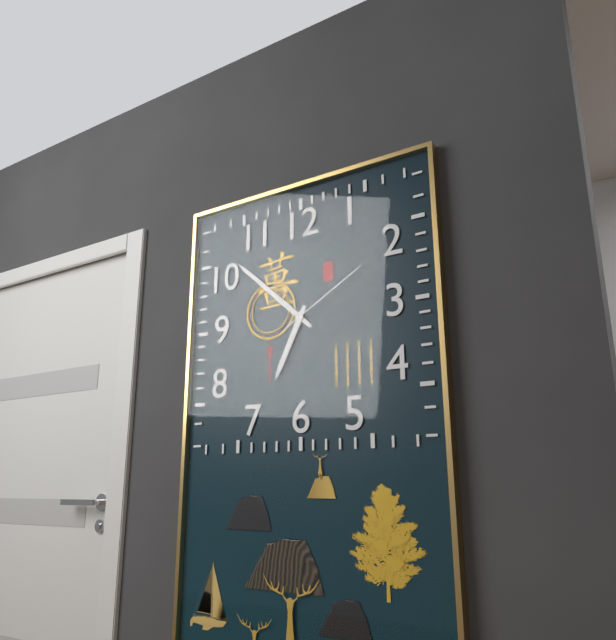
6:52:10
